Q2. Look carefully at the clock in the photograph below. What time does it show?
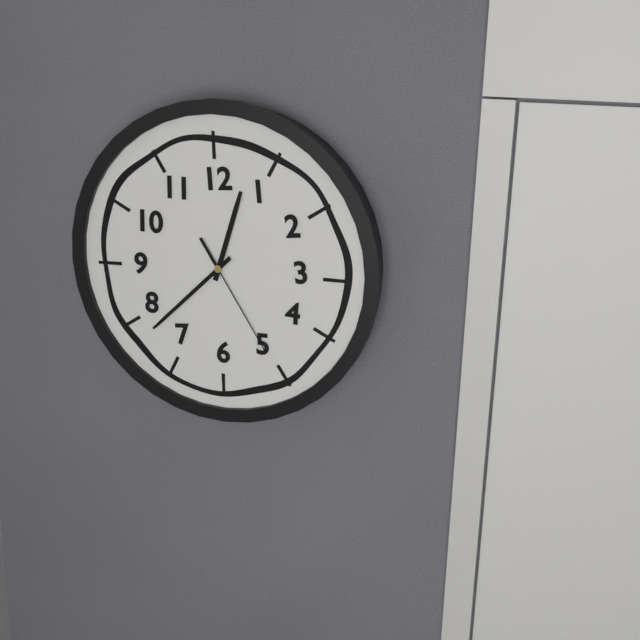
12:38:25
